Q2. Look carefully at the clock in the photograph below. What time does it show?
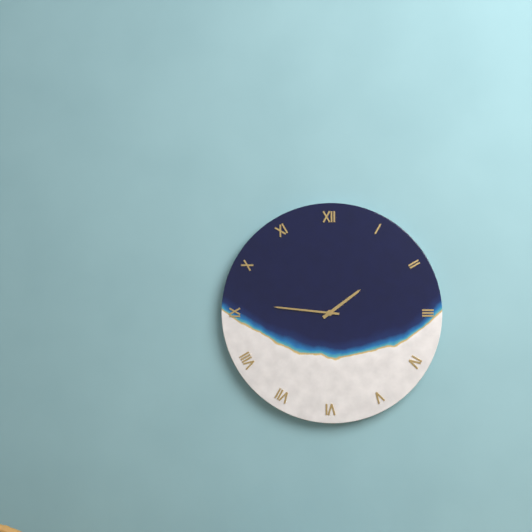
1:46
